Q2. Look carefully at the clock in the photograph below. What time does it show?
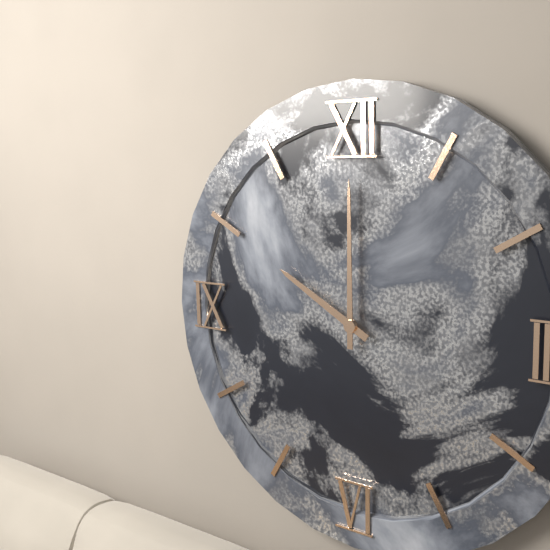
10:00
